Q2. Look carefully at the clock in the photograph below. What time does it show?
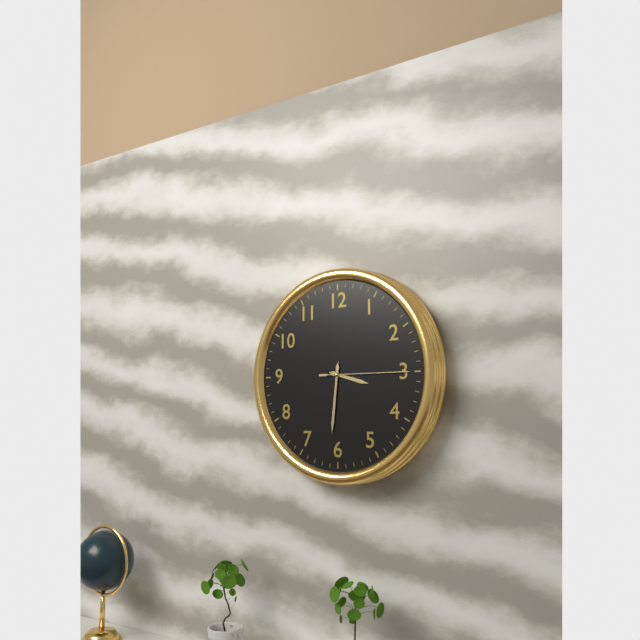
3:31:15
